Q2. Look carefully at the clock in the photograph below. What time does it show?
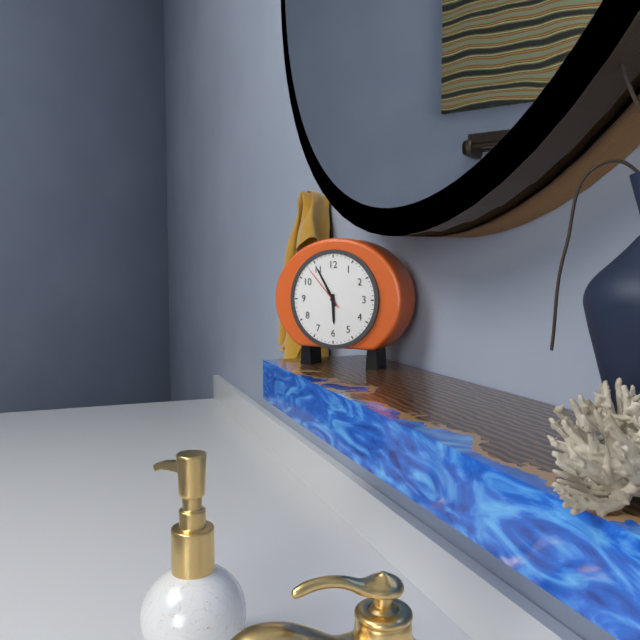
5:55
